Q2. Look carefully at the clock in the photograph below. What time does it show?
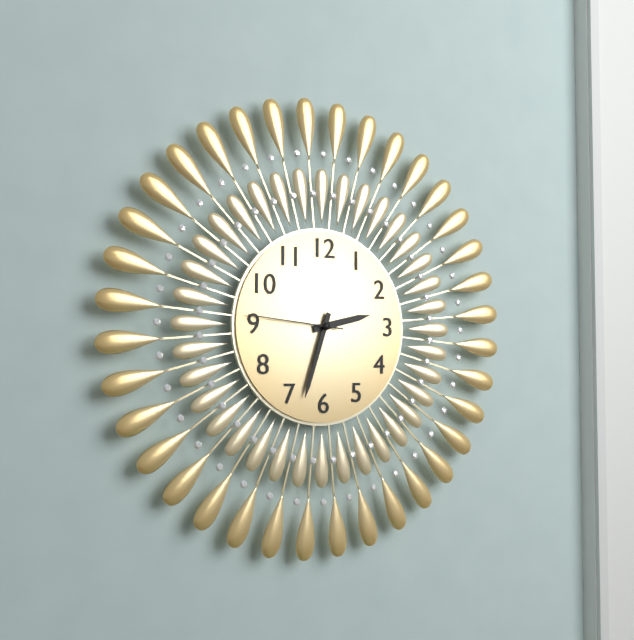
2:33:46
